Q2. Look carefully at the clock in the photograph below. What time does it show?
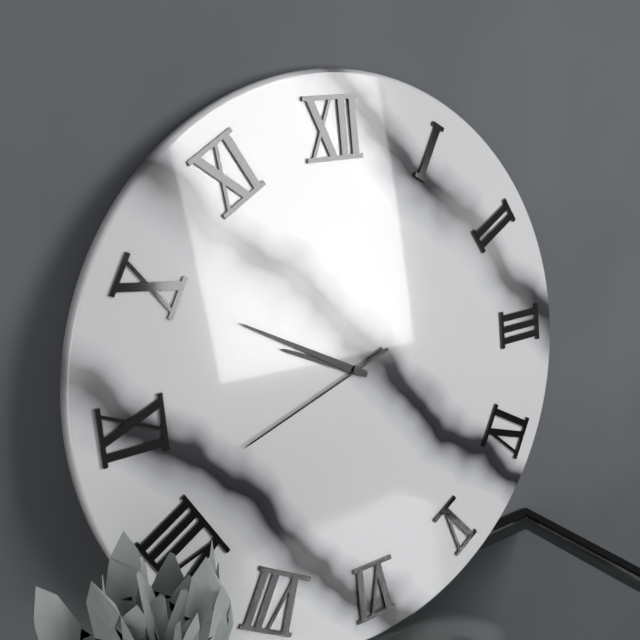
9:50:42
